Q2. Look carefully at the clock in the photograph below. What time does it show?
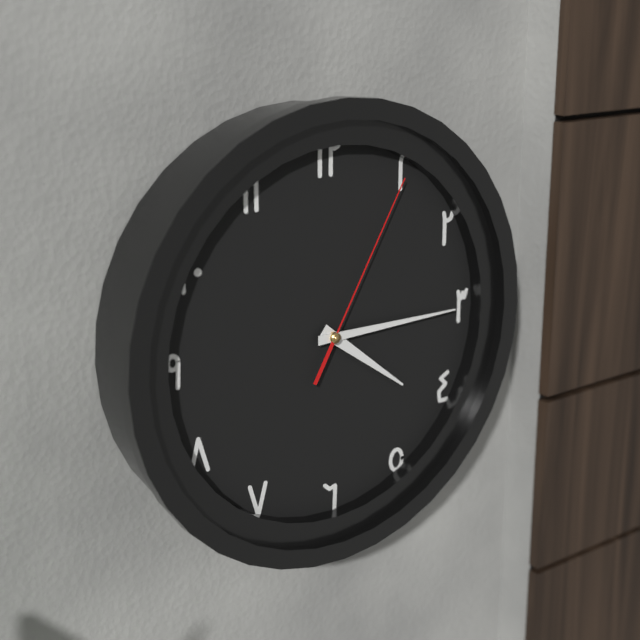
4:15:05
